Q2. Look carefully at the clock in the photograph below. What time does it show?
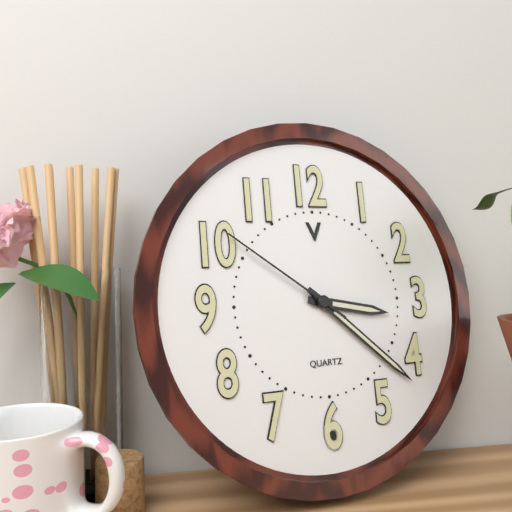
3:22:51
